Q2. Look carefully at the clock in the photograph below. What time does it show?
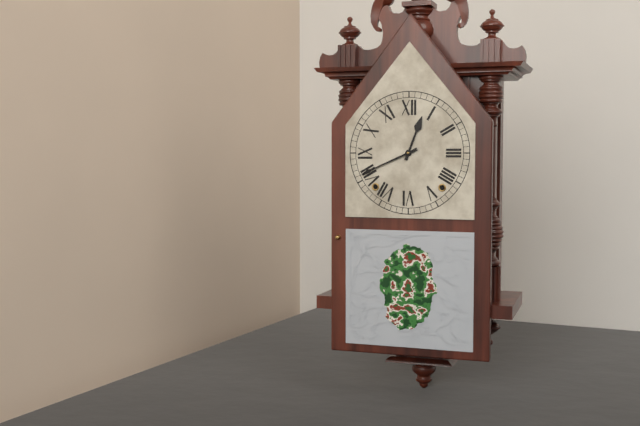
12:41
